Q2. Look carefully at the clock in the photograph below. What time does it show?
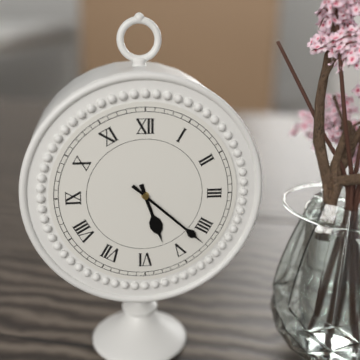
5:22
